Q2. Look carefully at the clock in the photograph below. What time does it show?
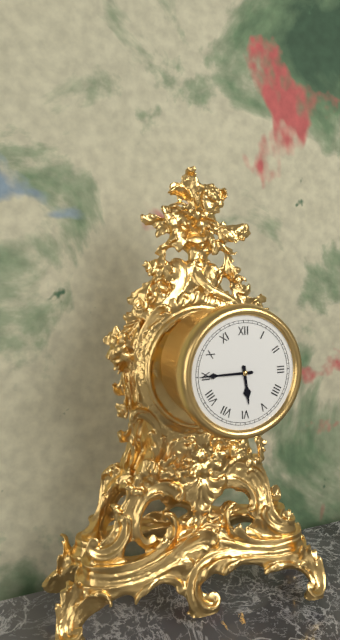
5:45
